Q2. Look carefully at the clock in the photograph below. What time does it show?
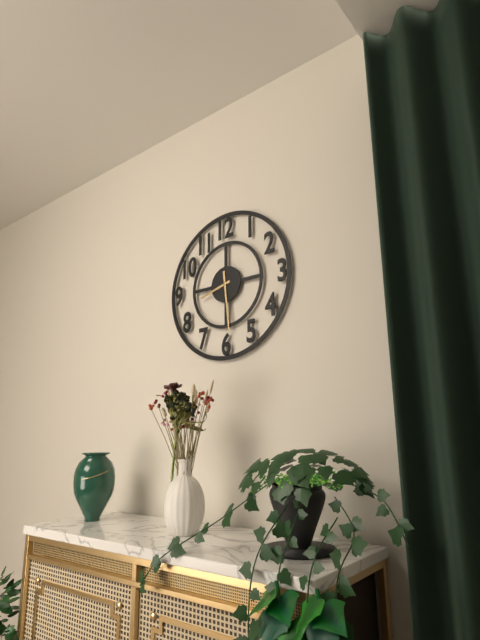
8:29
